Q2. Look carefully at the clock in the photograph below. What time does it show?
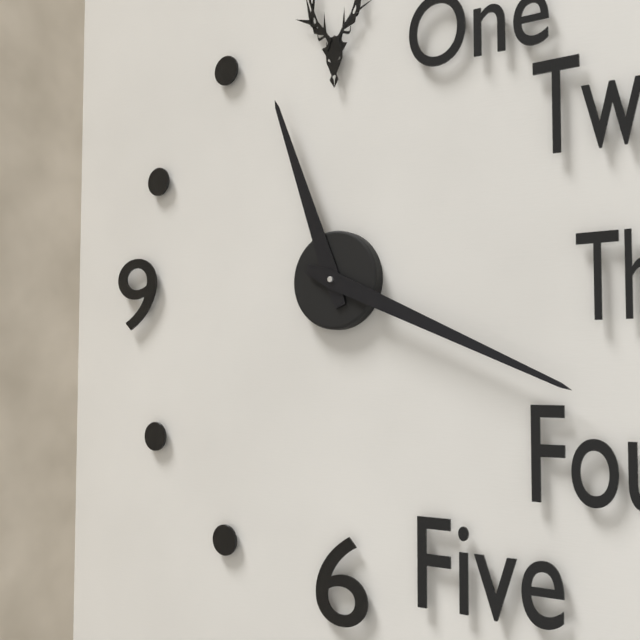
11:19
